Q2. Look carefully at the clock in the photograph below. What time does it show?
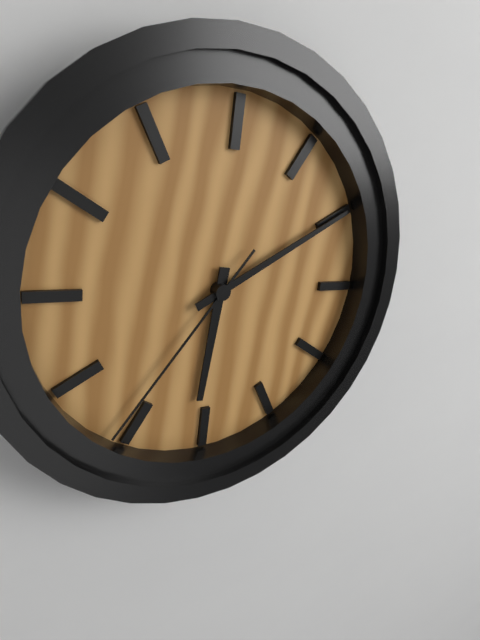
6:10:36
